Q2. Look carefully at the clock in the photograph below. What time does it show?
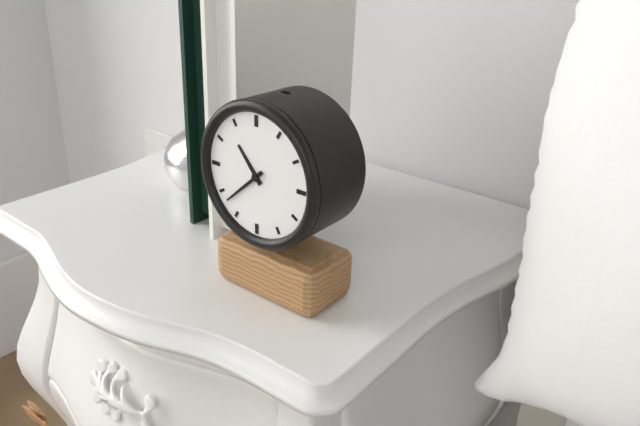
10:38
